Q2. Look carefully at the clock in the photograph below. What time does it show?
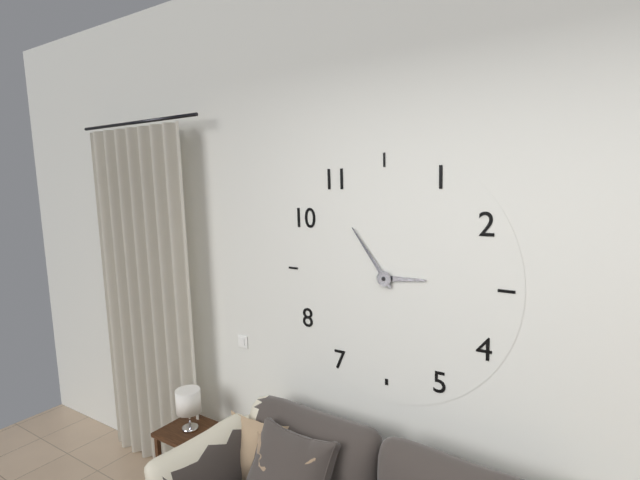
2:54
